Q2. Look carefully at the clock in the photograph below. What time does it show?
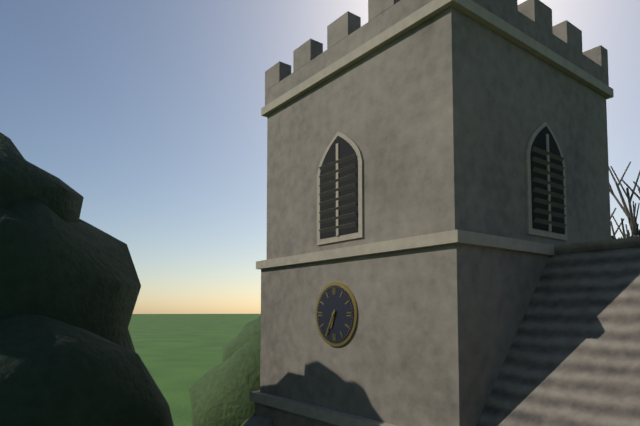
6:35
